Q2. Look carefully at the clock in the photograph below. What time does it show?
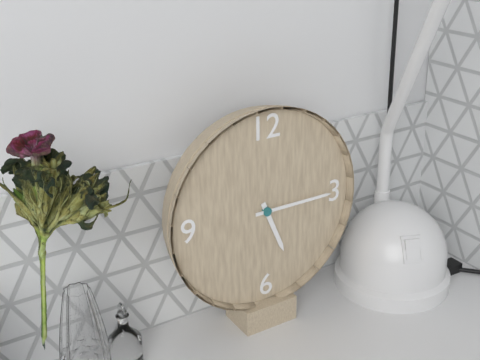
5:15
